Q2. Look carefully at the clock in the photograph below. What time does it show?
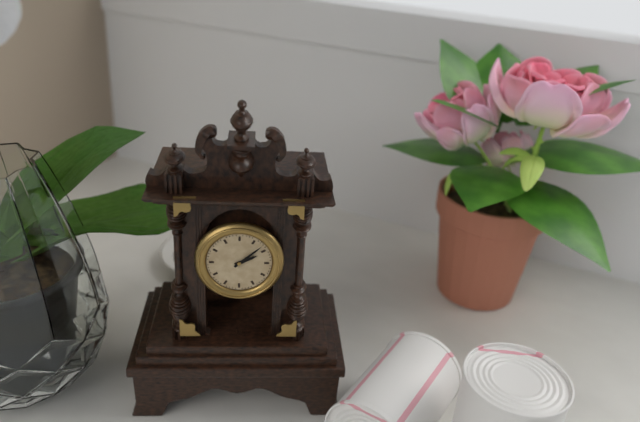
2:08
